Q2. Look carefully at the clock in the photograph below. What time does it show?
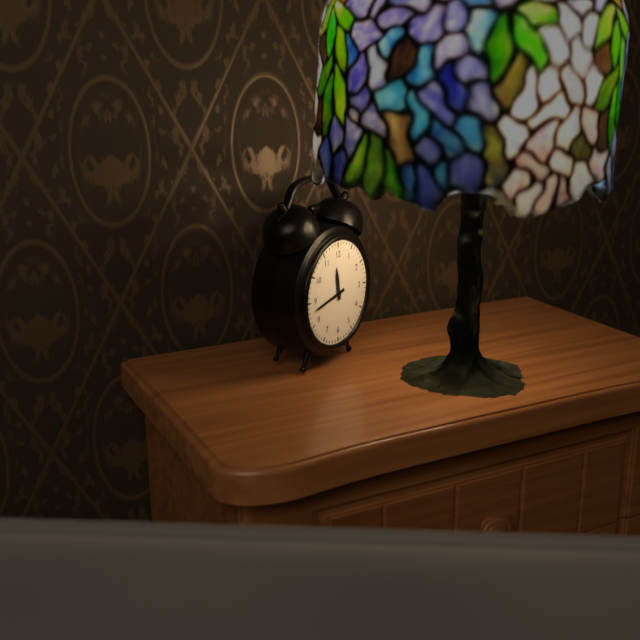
11:43
